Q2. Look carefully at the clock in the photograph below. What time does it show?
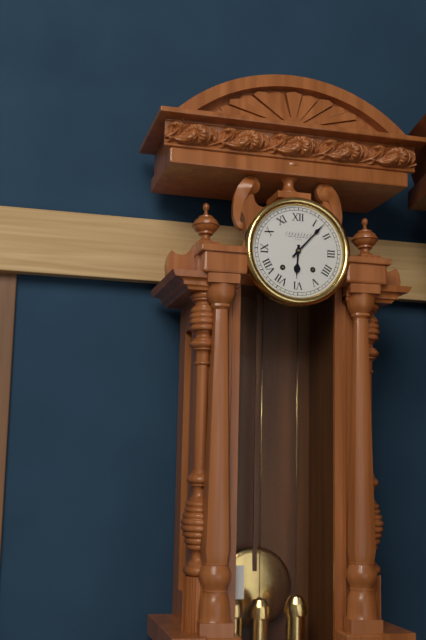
6:07
